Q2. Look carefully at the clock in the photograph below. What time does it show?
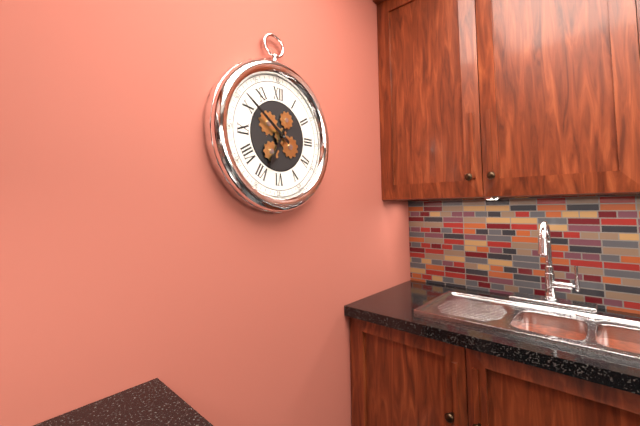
6:51
